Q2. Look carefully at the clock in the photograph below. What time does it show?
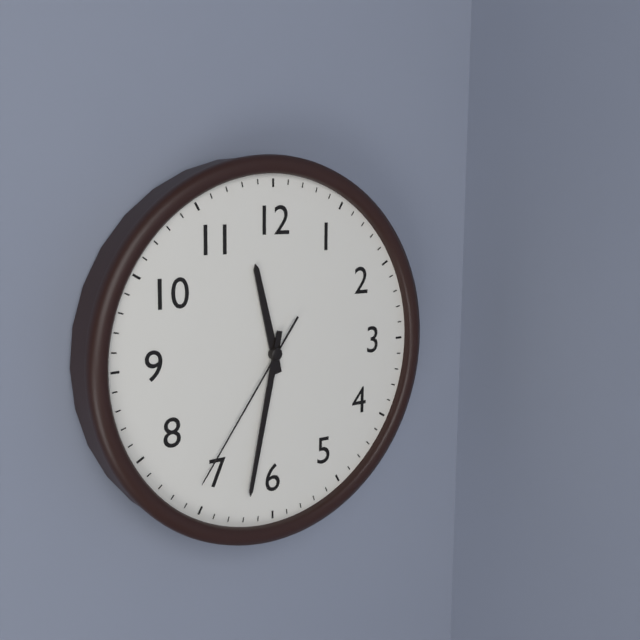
11:32:36
